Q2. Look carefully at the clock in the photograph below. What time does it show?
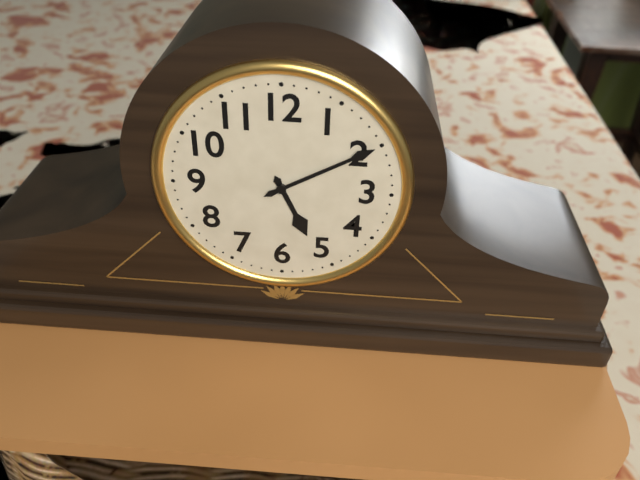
5:10
